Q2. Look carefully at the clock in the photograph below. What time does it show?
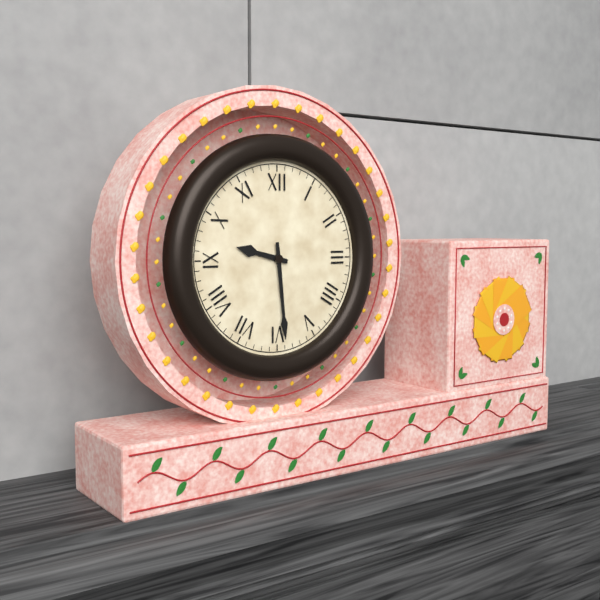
9:29
